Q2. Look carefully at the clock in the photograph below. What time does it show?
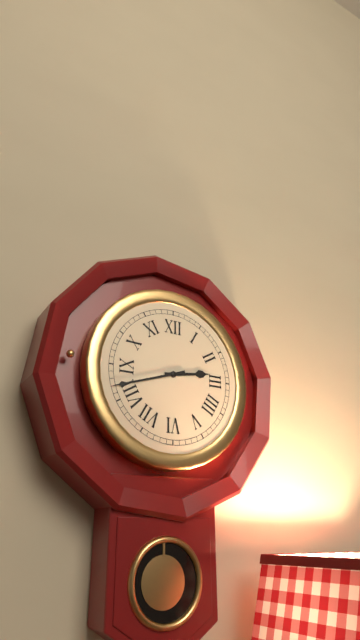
2:42
